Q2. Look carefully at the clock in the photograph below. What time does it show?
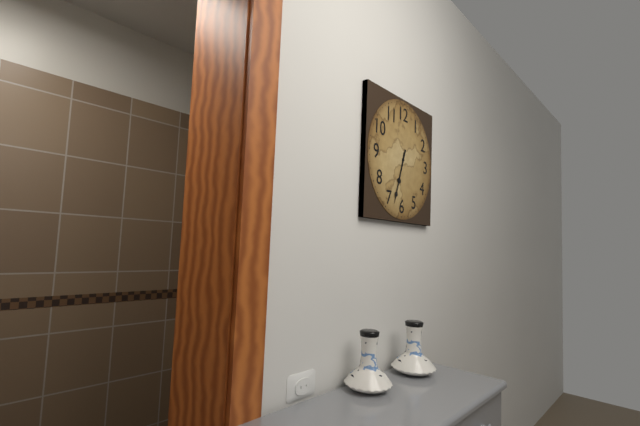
6:33
